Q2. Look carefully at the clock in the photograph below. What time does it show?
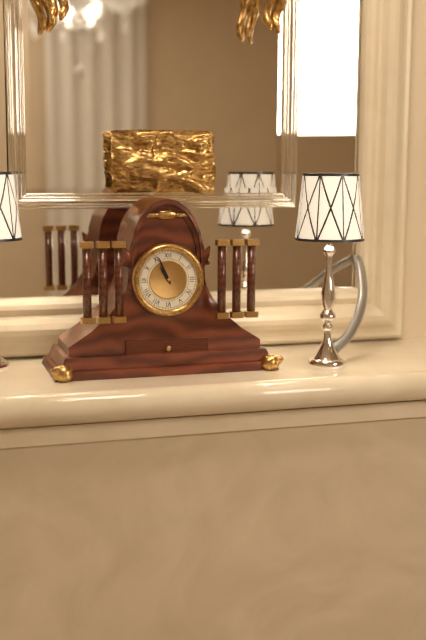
10:56
